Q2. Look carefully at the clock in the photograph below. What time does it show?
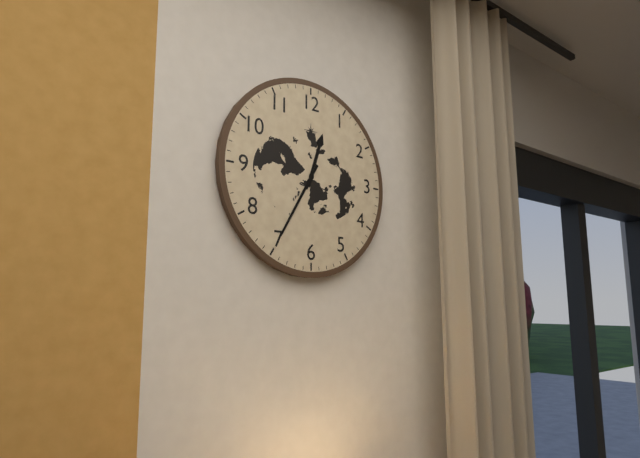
12:35
